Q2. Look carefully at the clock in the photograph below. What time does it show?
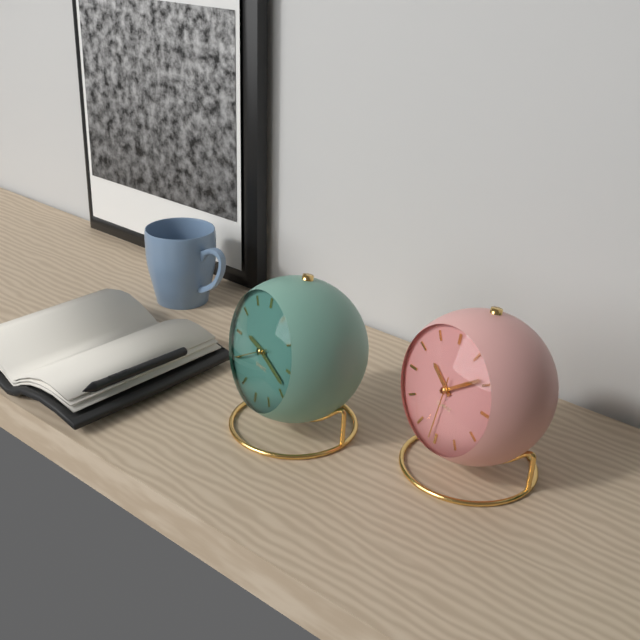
9:18
